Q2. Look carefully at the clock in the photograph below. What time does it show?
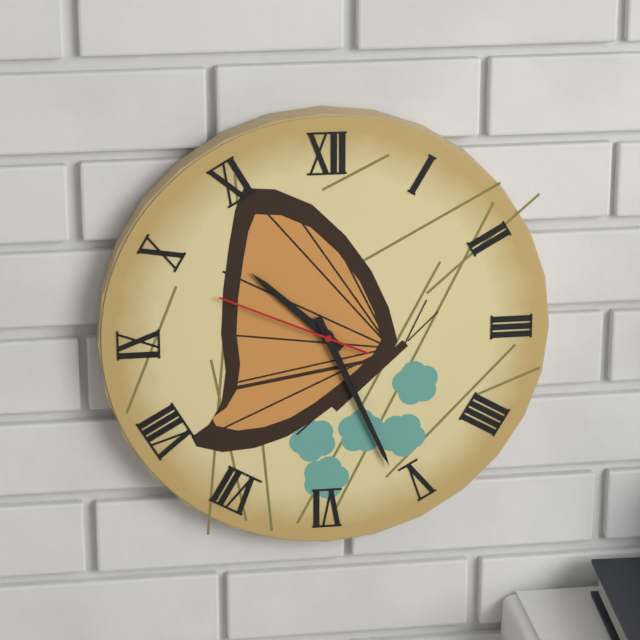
10:26:49
